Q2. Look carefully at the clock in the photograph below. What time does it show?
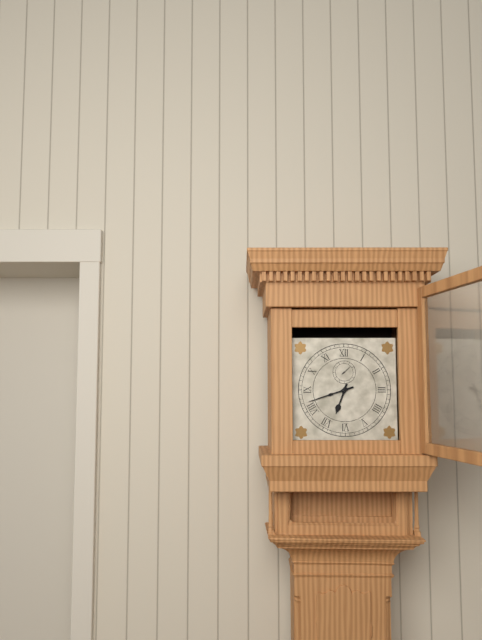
6:42
